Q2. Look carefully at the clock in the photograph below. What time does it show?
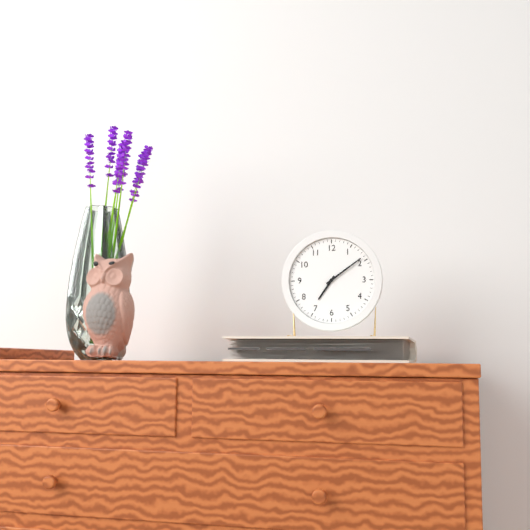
7:09
